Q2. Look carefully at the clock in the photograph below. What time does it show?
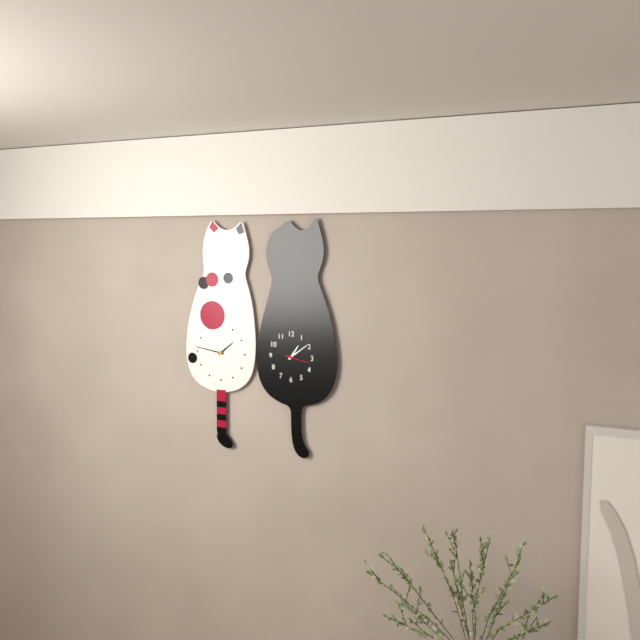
1:09
